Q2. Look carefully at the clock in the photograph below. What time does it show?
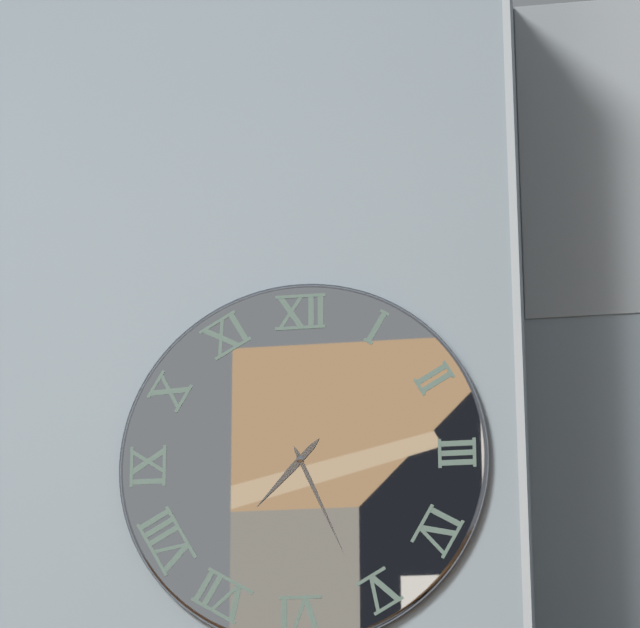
7:26
